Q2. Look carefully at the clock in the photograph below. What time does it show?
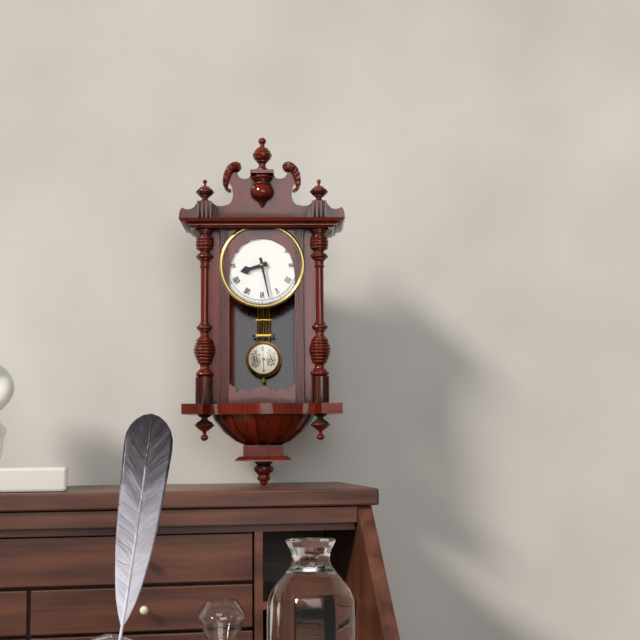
8:28
